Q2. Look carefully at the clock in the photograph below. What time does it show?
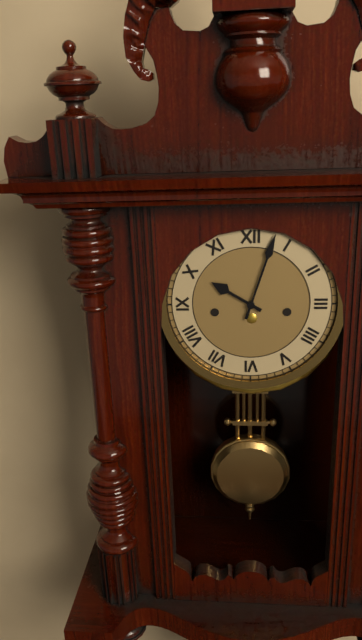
10:03
